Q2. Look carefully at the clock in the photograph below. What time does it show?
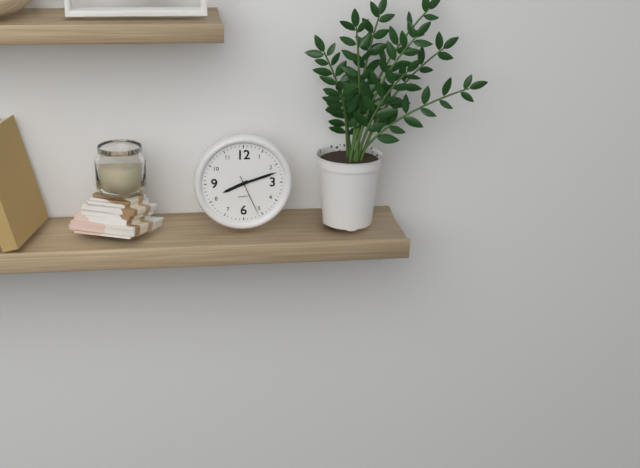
8:12
